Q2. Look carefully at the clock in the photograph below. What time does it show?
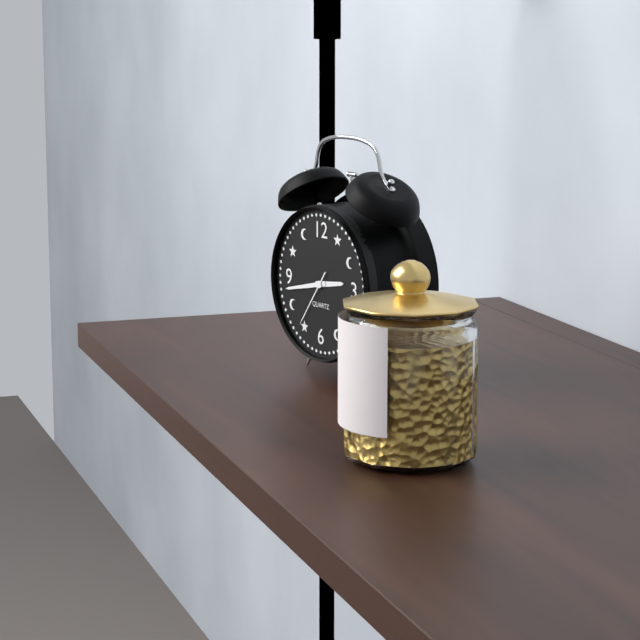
2:43:36
